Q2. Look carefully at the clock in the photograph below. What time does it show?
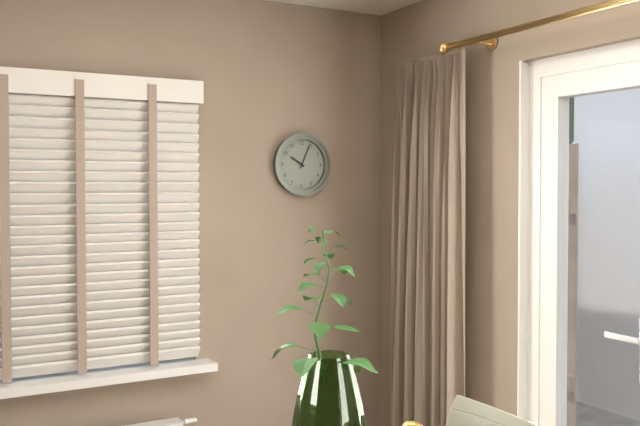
10:04
